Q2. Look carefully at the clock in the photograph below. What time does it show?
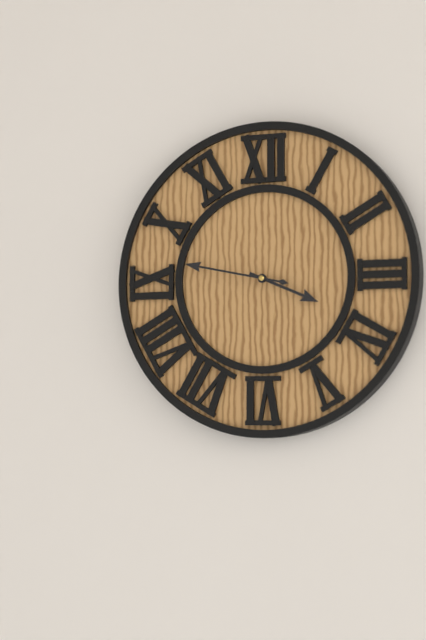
3:47
